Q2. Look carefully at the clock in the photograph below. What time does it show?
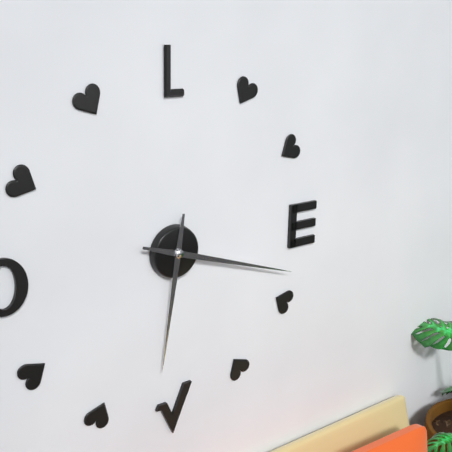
6:18
